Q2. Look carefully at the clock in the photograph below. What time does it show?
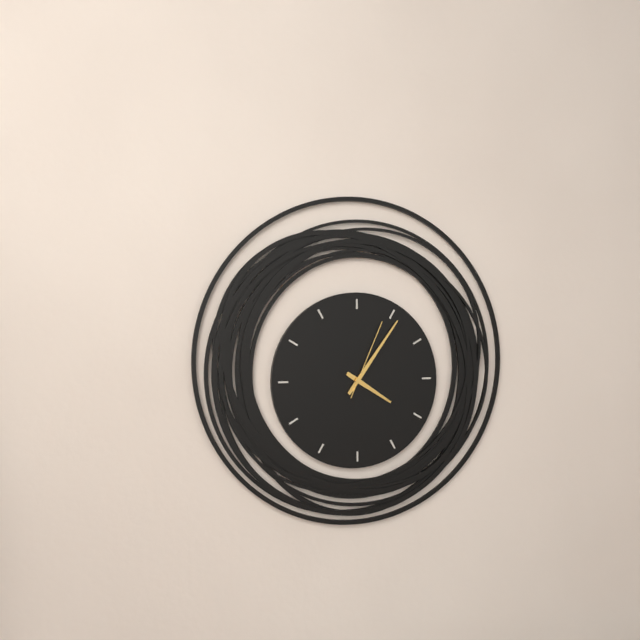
4:06:04
